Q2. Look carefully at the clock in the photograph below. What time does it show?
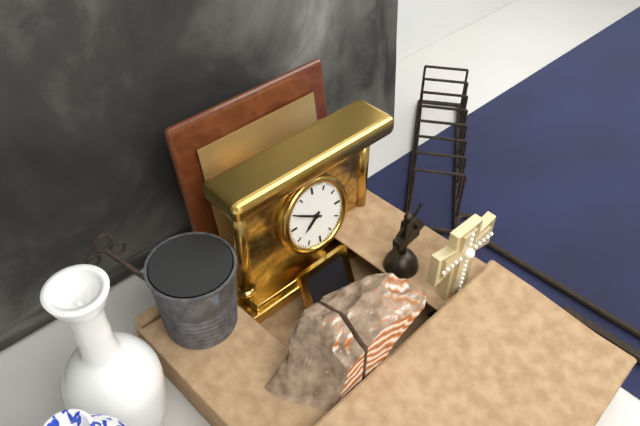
7:50
